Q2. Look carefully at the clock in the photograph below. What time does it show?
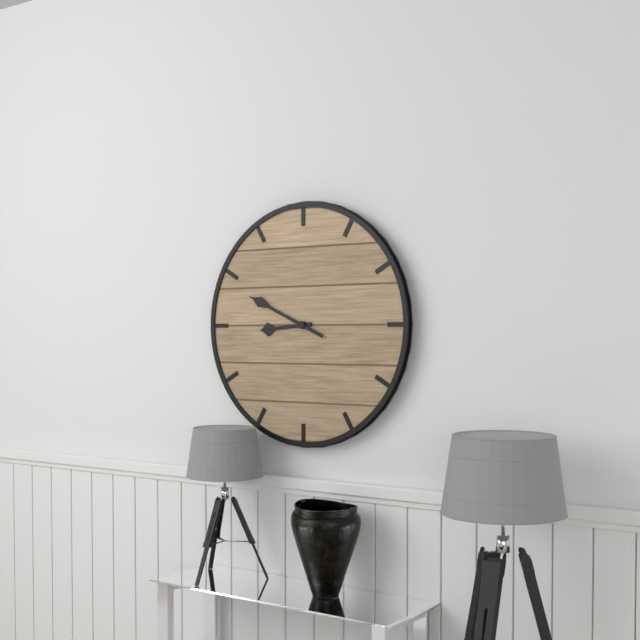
8:49
